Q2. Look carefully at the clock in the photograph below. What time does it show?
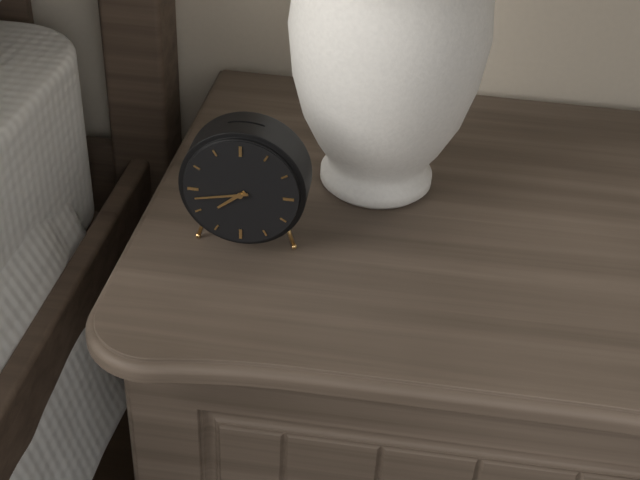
7:43
